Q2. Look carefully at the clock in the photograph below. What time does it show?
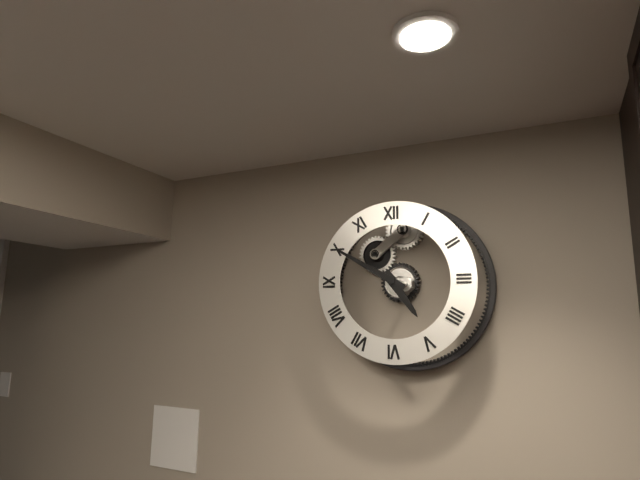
4:50
